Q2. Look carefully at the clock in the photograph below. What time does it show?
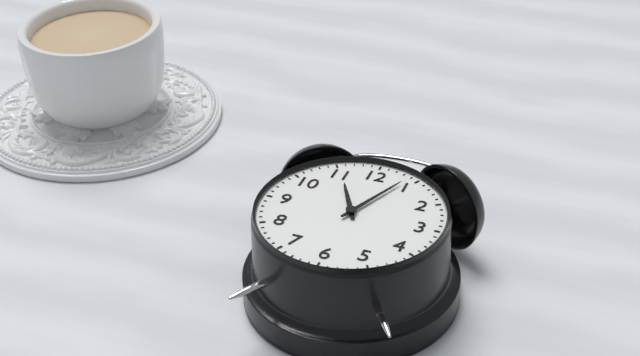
11:04
